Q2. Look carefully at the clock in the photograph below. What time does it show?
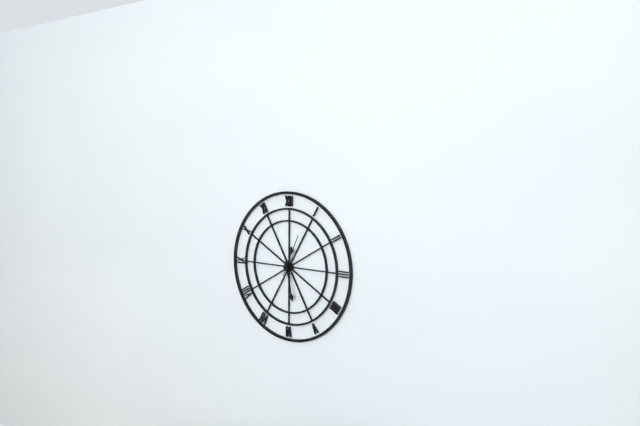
12:28
